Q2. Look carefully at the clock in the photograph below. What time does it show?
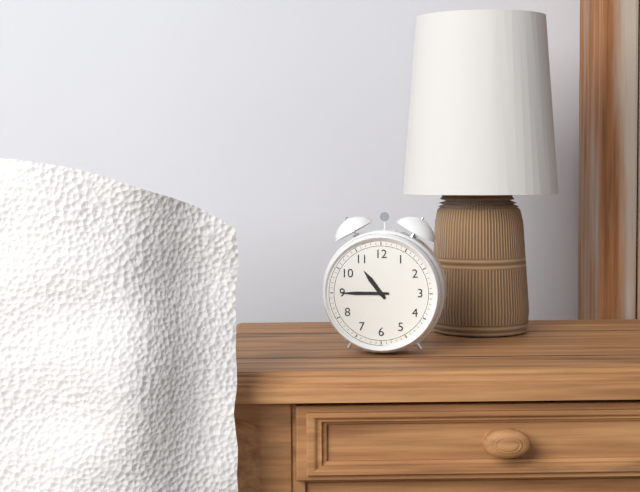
10:45
